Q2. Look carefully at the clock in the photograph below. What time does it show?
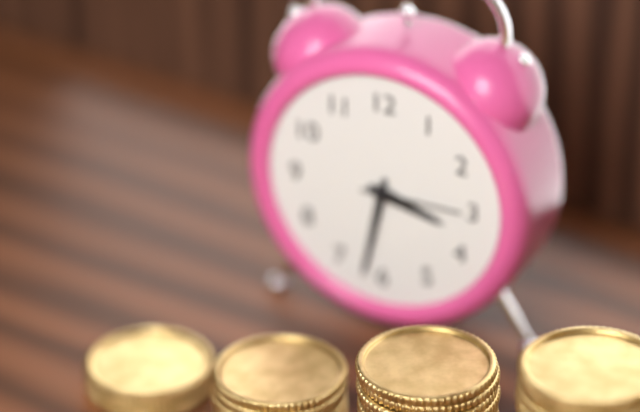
3:32:15
